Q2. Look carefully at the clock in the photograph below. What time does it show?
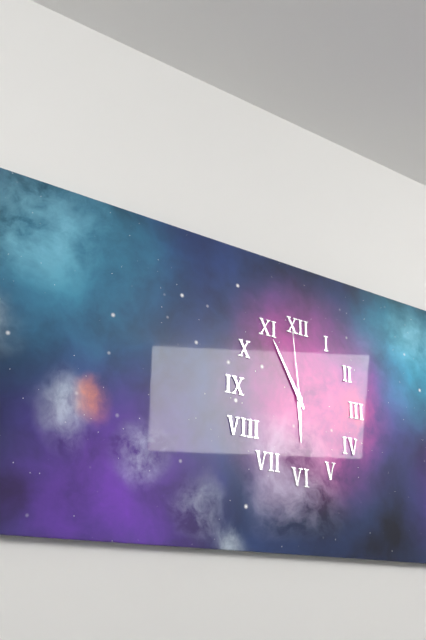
5:55:59
